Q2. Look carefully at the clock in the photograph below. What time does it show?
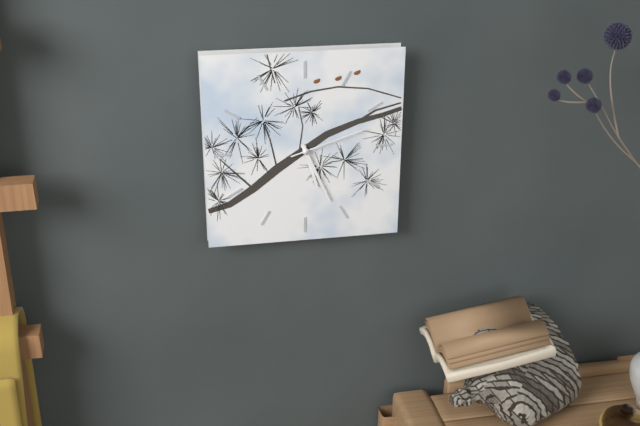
5:26:12
